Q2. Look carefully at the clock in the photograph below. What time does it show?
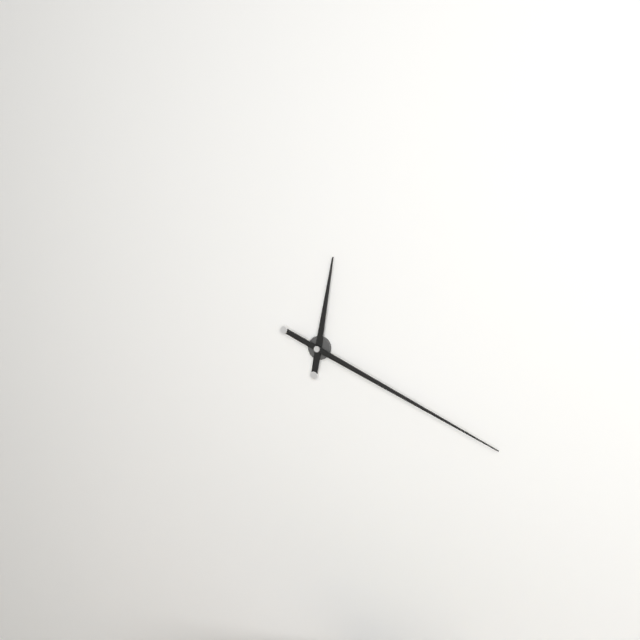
12:19
